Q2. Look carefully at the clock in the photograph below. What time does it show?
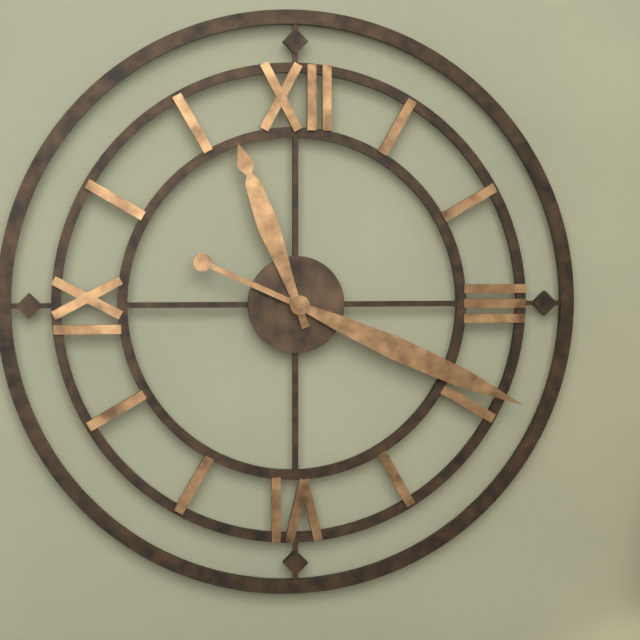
11:19
